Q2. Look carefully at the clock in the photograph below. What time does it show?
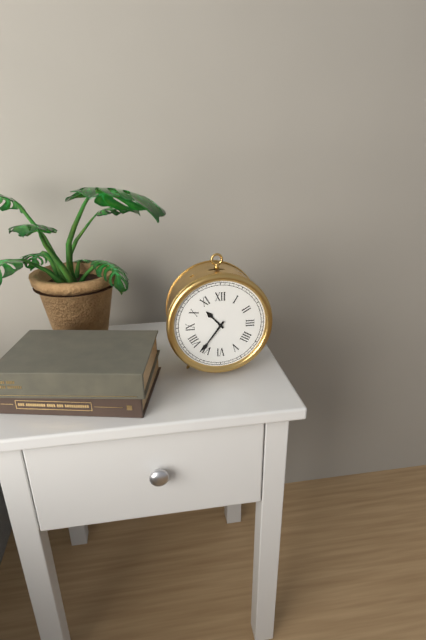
10:36
